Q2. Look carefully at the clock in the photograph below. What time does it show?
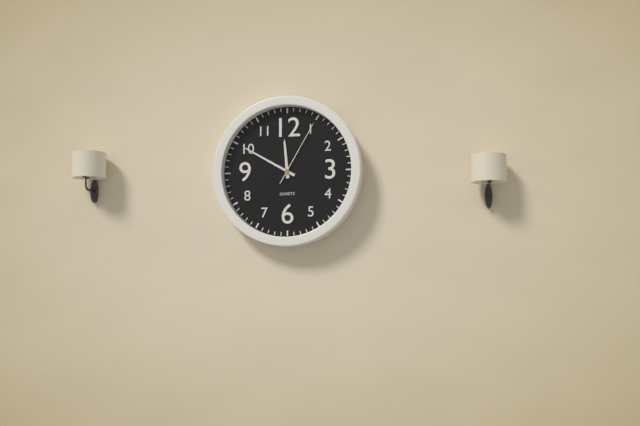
11:50:05
